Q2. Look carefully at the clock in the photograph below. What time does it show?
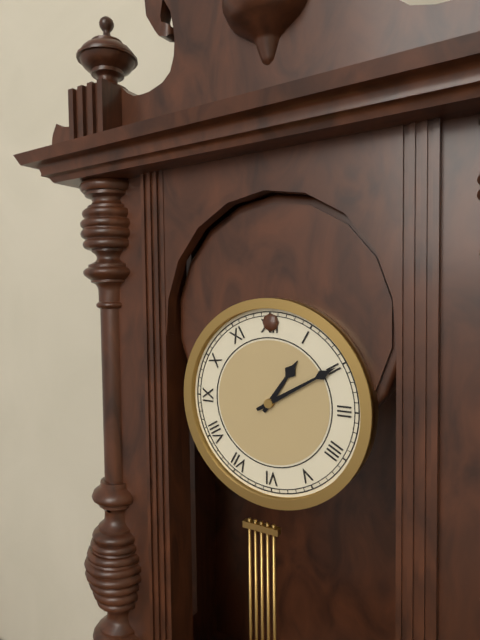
1:10
